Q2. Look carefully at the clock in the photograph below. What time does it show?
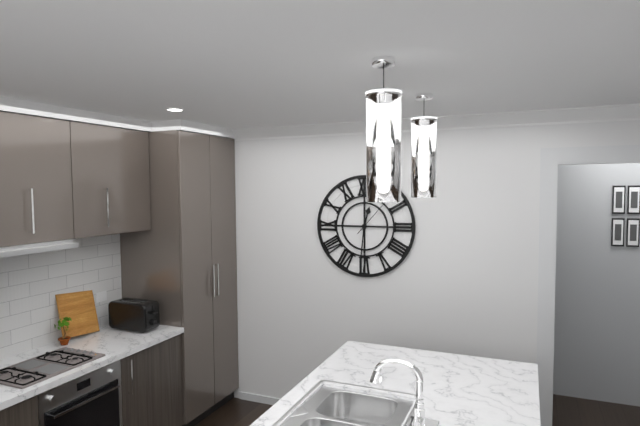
12:31
